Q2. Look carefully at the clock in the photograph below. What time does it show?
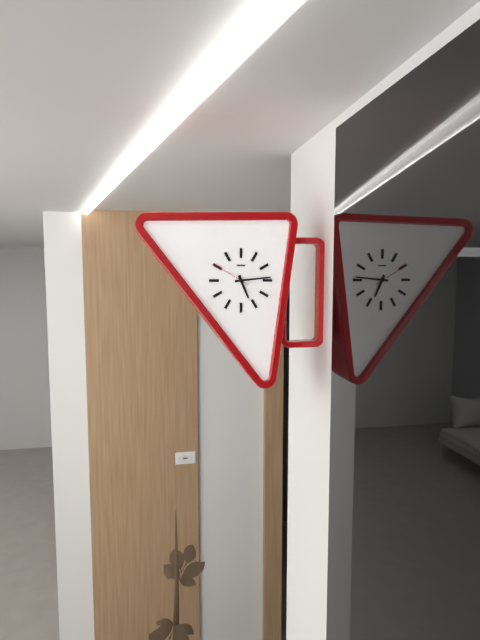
5:14
